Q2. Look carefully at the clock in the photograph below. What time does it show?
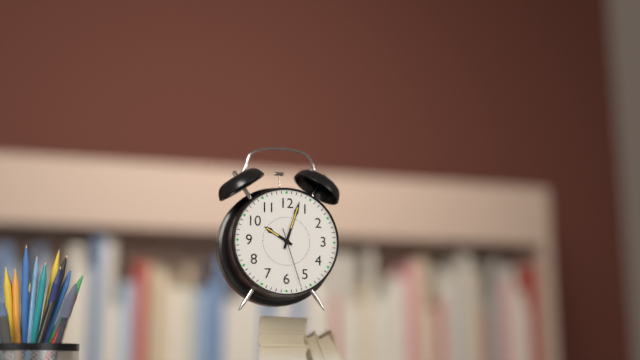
10:03:27
